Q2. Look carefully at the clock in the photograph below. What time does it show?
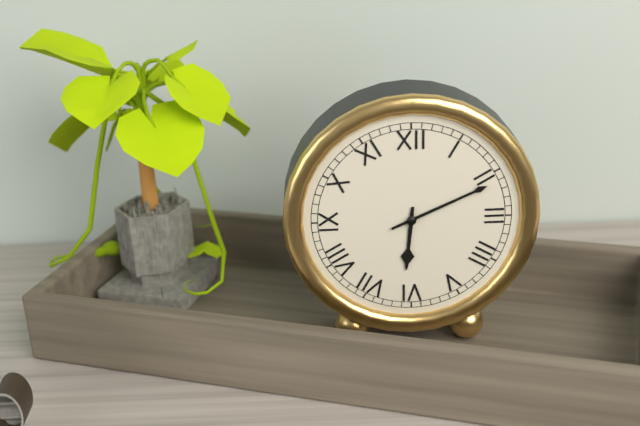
6:11
